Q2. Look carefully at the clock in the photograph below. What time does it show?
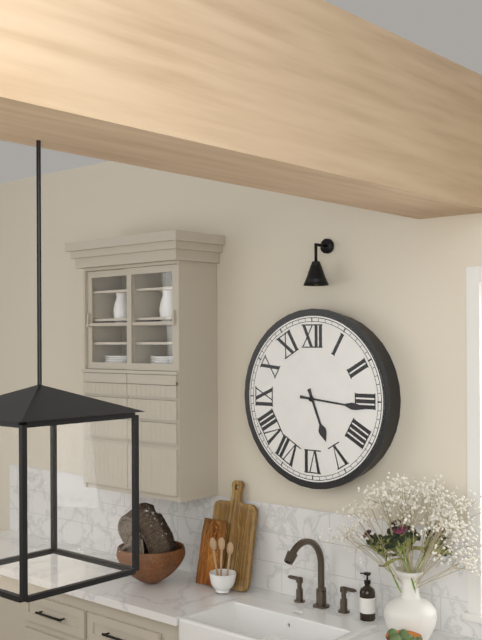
5:16
